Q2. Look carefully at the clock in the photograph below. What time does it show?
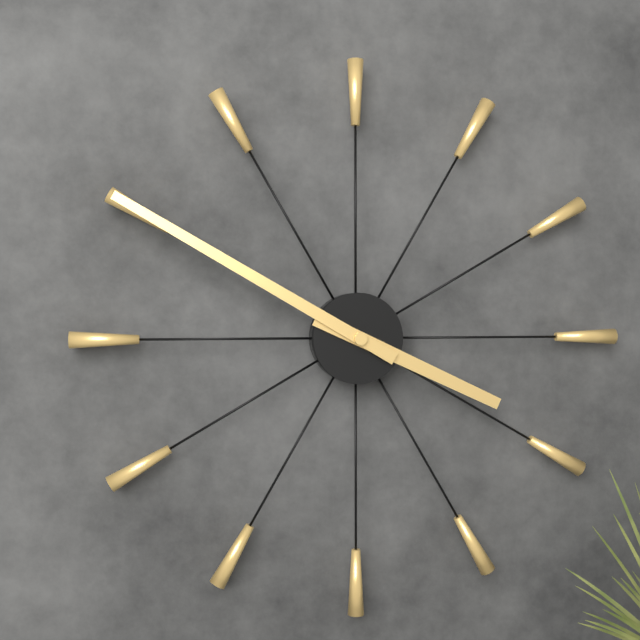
3:50
